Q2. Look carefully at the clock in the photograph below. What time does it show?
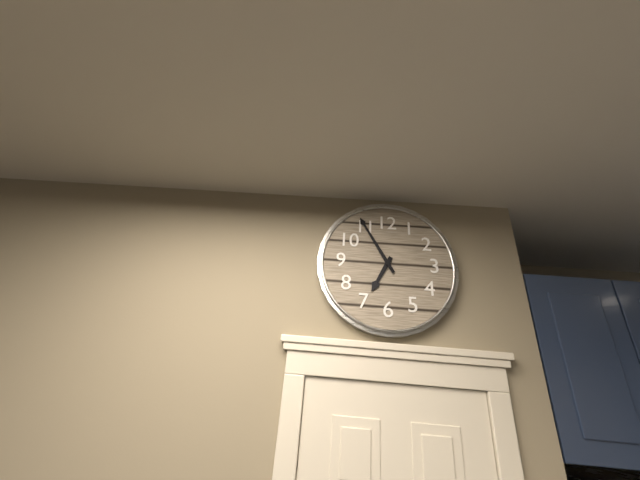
6:55
